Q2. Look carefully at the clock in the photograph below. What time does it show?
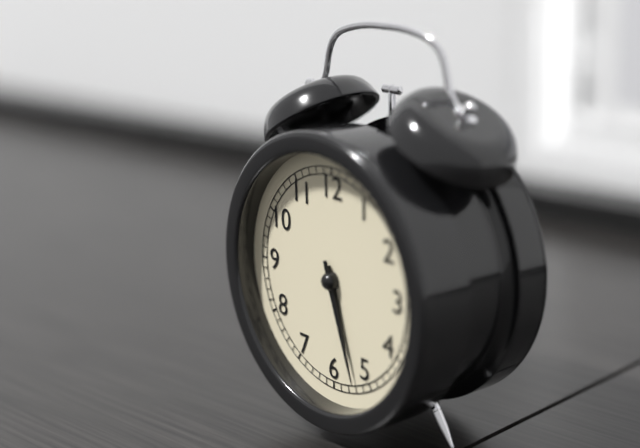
5:27
